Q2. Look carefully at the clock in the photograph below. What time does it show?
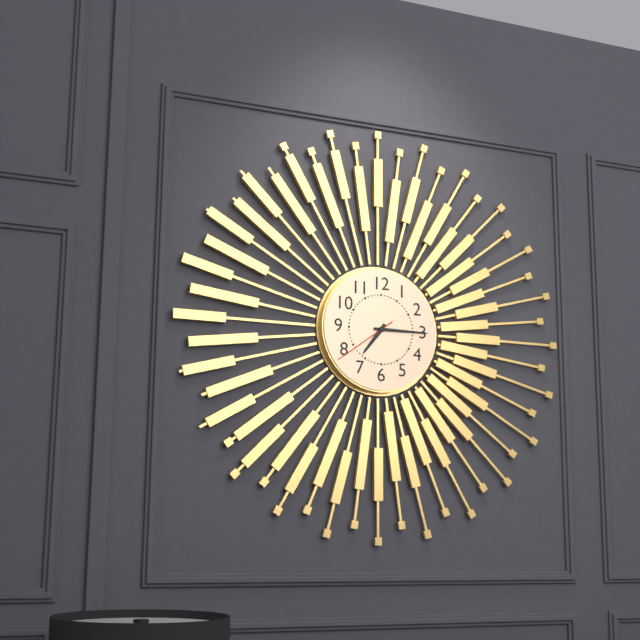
7:15:39
